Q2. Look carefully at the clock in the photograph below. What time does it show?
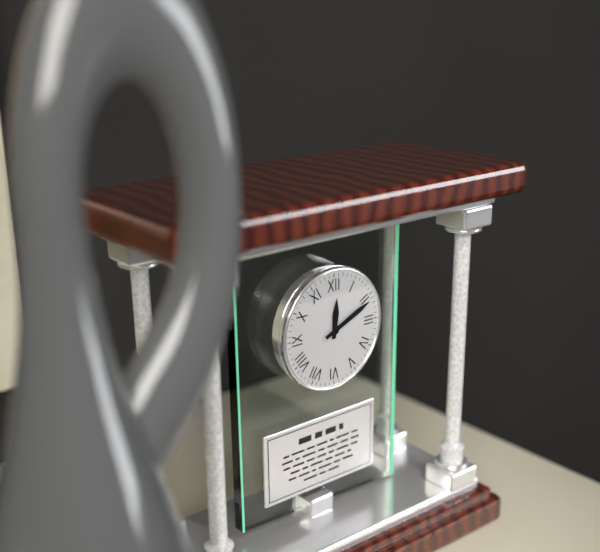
12:11
